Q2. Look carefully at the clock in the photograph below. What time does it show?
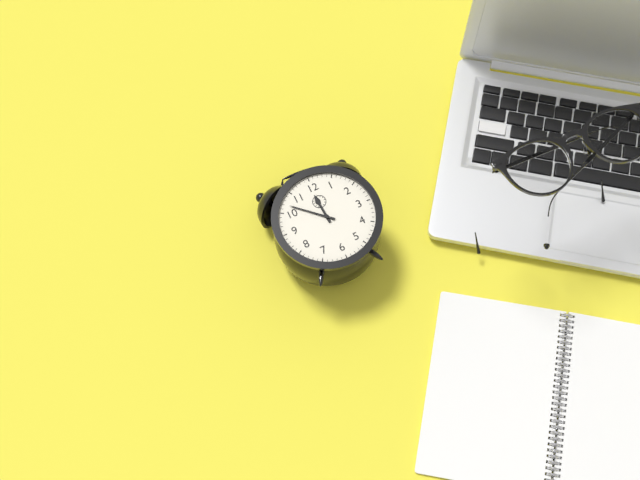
11:52
